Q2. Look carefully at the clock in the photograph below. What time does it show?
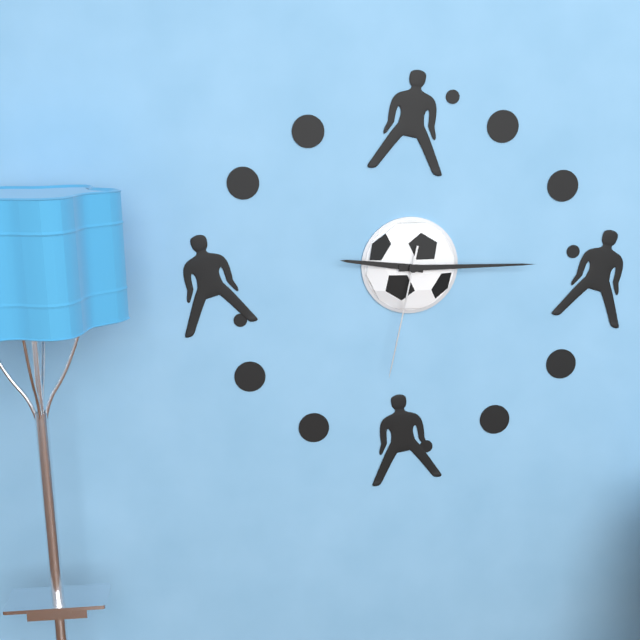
9:15:32
